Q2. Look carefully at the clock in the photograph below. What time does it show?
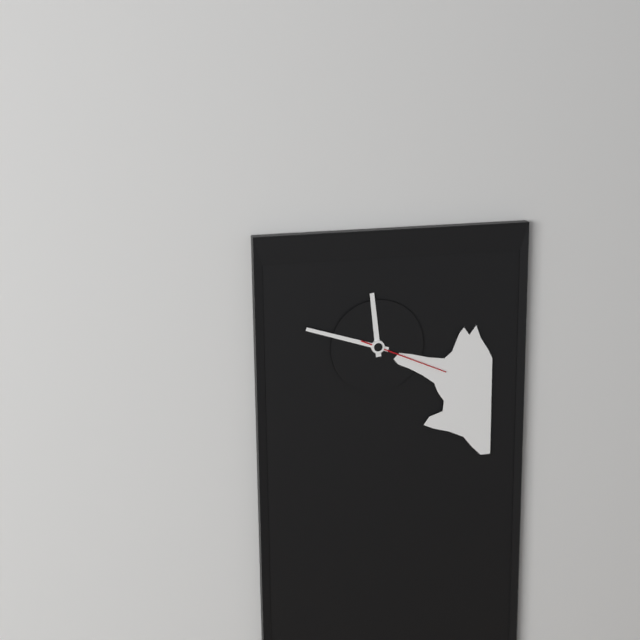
11:48:19
